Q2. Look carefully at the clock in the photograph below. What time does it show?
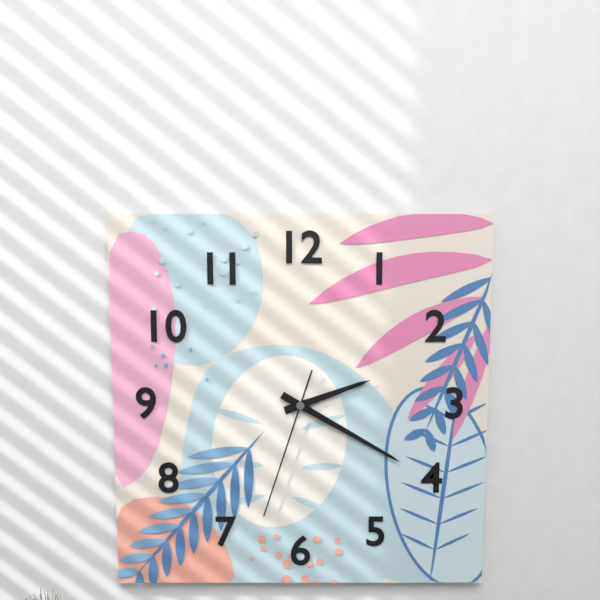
2:20:33
